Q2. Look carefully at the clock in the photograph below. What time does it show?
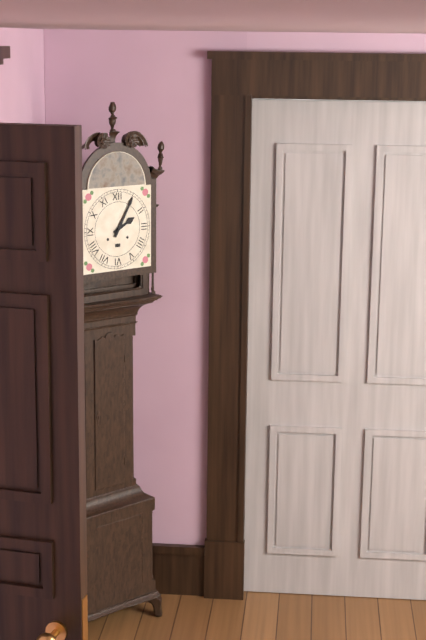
2:05
